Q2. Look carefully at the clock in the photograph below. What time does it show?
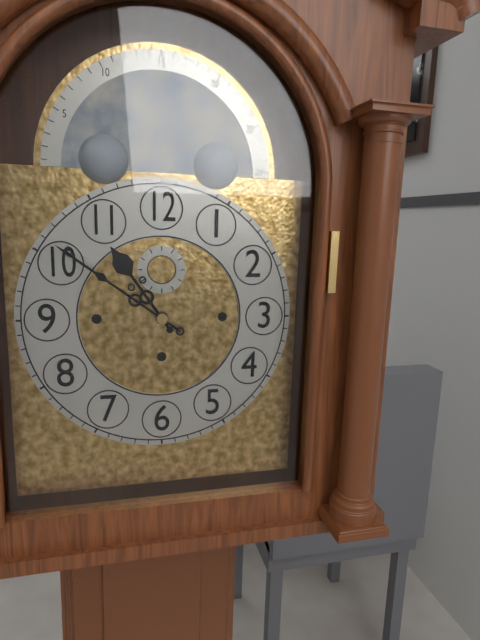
10:51
